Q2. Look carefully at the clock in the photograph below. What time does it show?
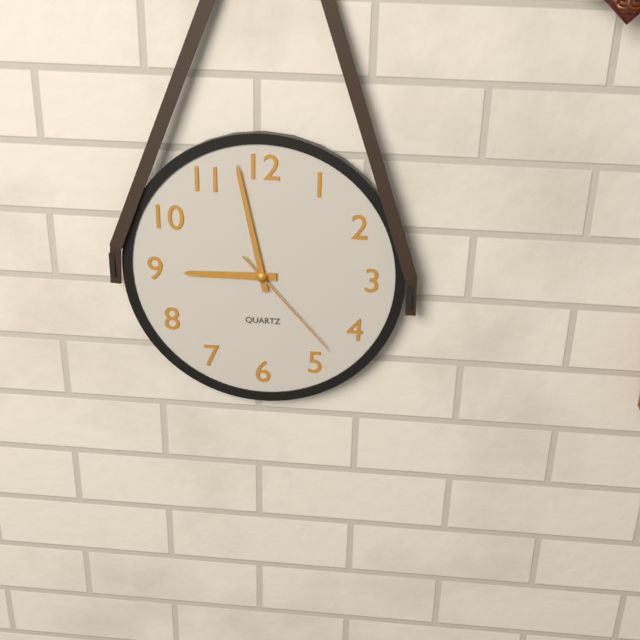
8:58:23
